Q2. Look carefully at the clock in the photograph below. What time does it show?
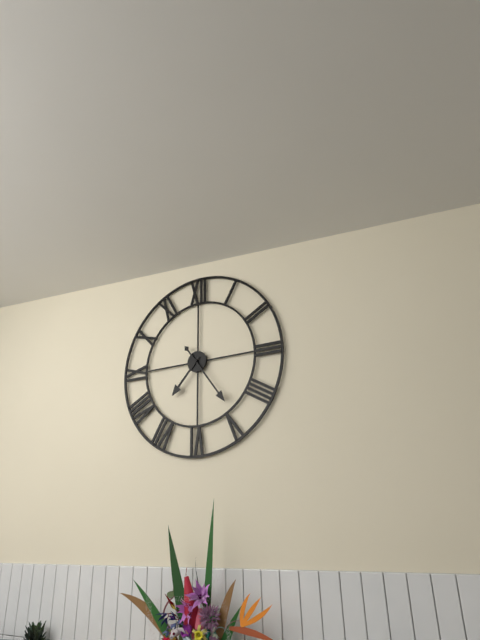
7:24
